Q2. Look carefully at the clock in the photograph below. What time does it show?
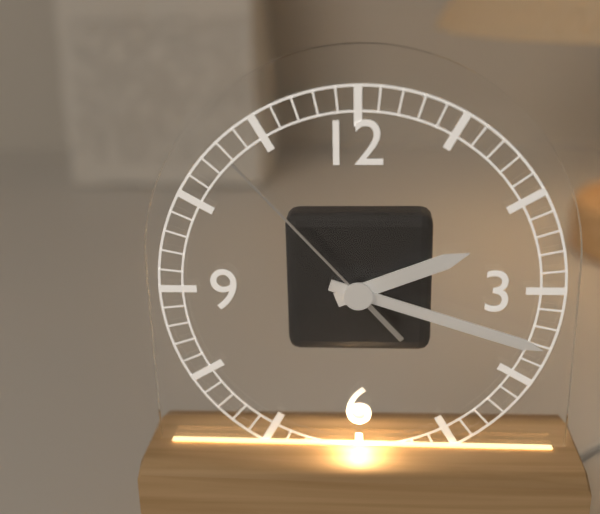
2:18:53
